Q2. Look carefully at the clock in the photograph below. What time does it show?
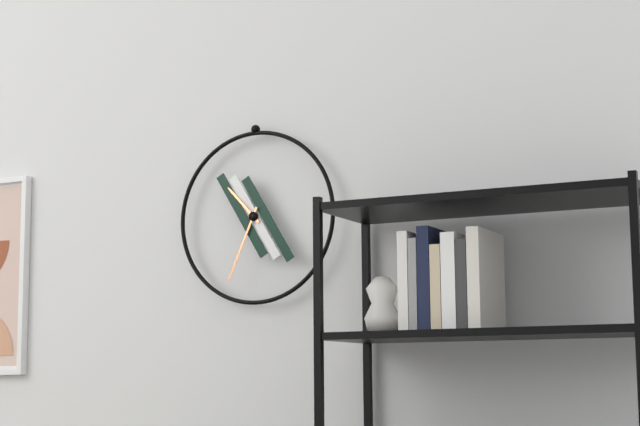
10:34
